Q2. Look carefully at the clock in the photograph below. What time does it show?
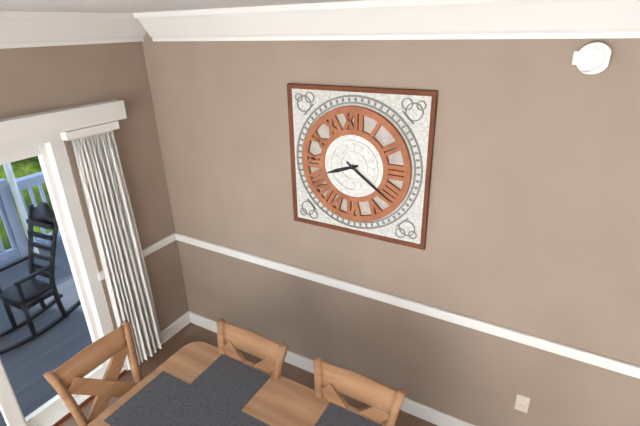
8:21
